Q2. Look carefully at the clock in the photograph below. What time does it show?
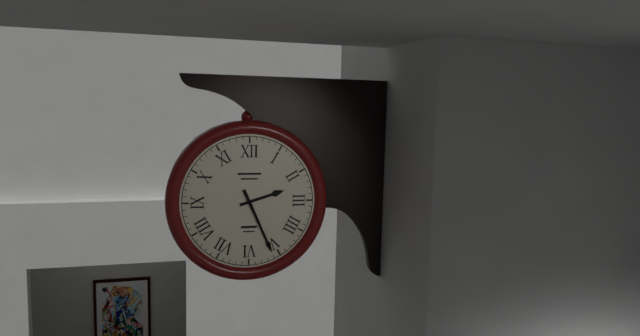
2:26
